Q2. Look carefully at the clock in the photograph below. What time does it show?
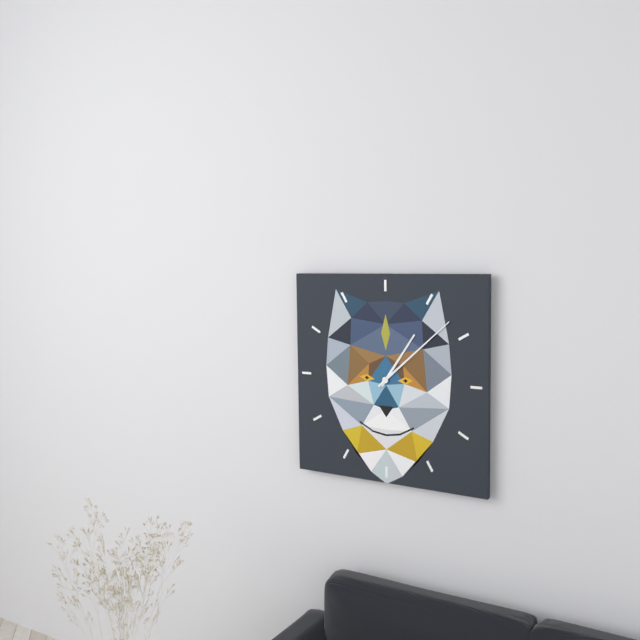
1:08
